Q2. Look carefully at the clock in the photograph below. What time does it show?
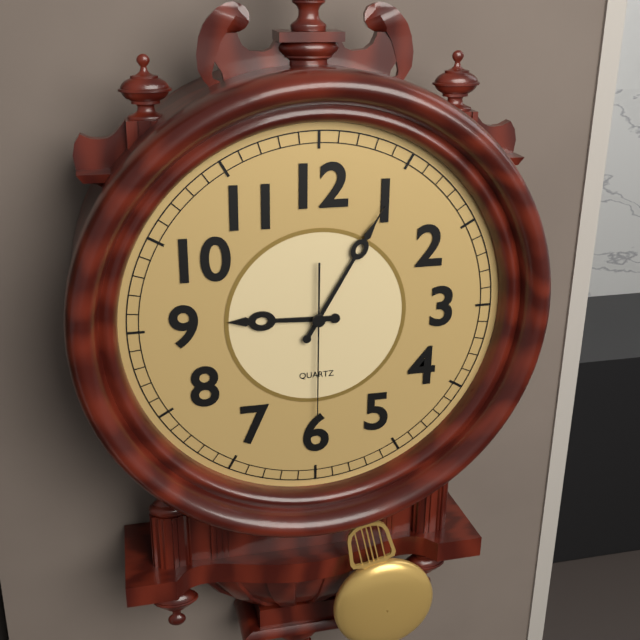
9:05:30
